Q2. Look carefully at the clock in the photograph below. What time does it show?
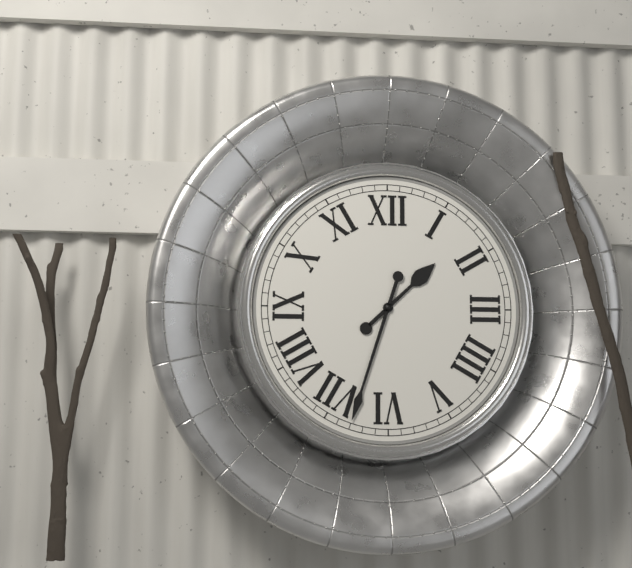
1:33
